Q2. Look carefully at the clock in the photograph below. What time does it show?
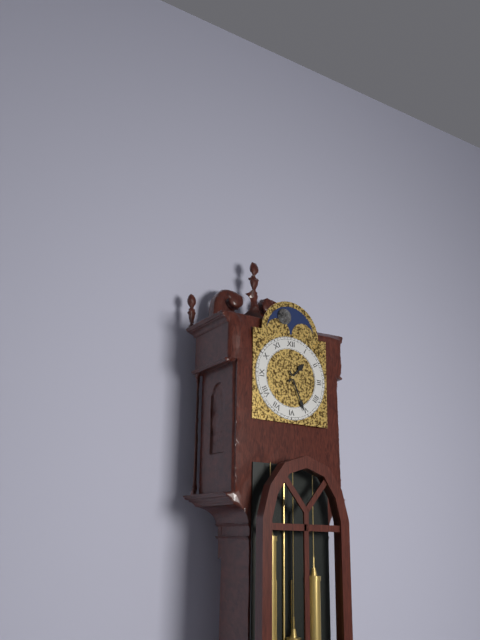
1:26
